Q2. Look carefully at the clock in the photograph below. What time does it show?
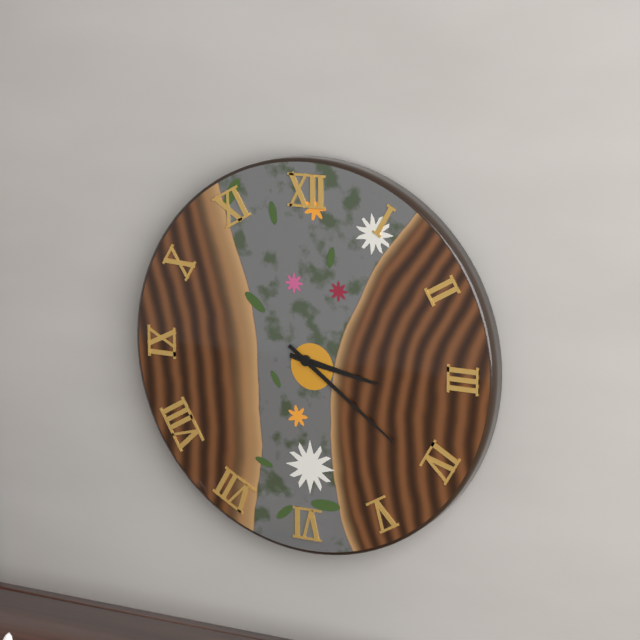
3:21
